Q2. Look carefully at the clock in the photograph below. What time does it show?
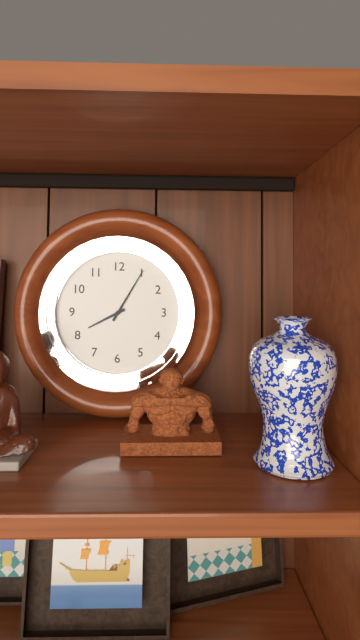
8:05
